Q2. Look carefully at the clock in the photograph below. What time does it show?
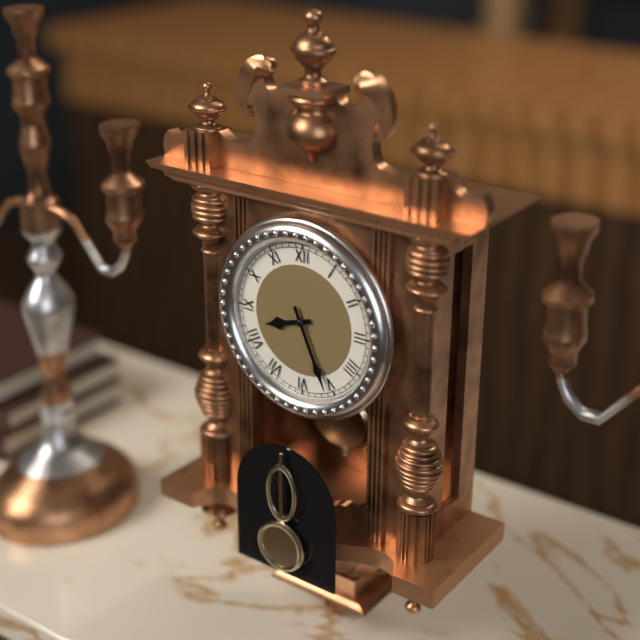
8:26
